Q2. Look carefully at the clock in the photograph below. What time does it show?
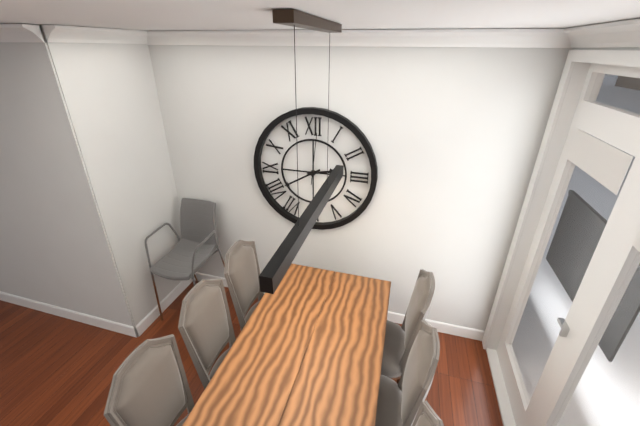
2:40
